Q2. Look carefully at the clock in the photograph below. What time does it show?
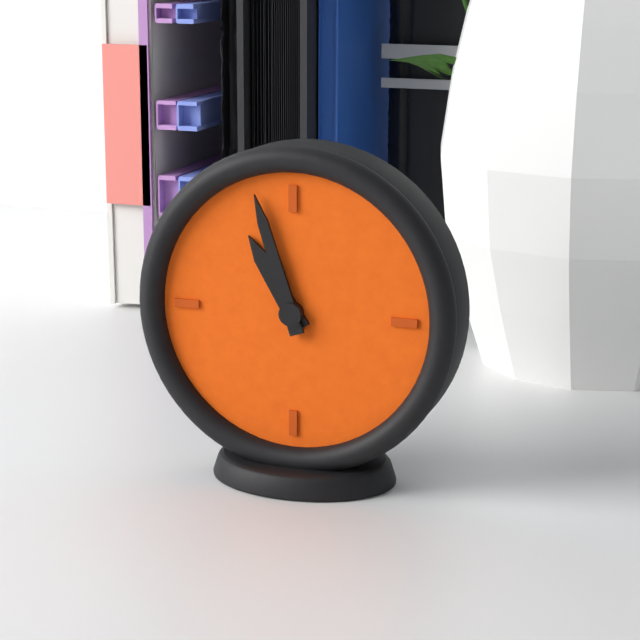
10:57
